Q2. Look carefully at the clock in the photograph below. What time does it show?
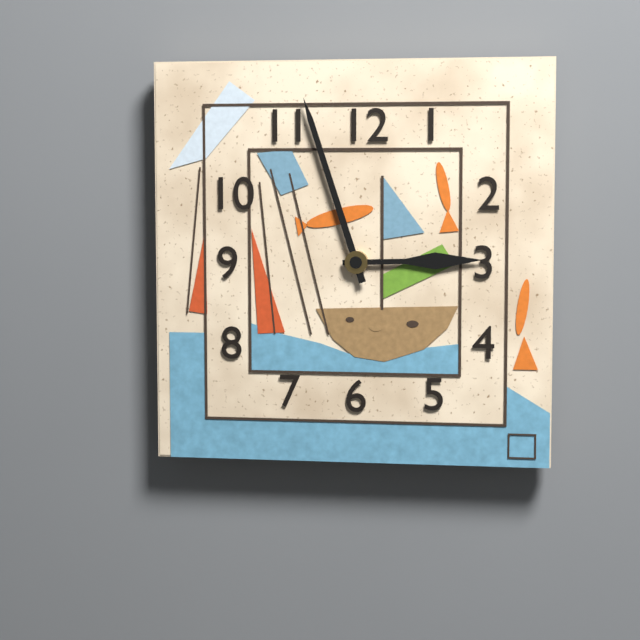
2:57
